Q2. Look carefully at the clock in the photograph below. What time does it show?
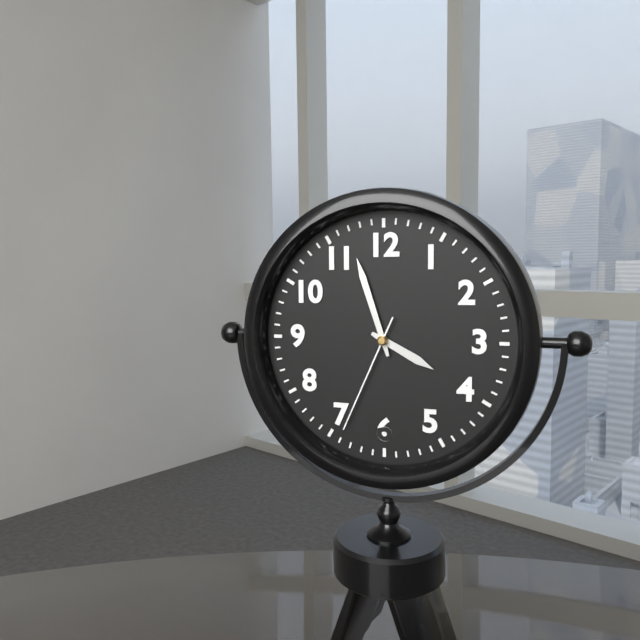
3:57:34
